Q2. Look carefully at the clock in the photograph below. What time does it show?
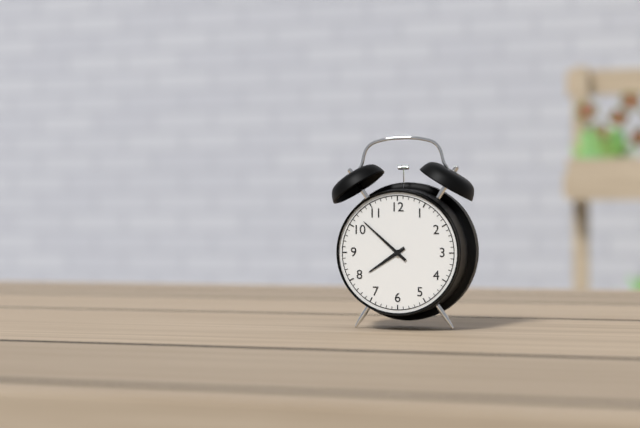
7:52
